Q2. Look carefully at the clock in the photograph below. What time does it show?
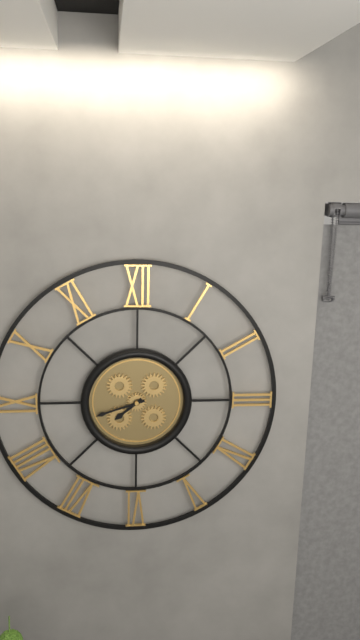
7:42
